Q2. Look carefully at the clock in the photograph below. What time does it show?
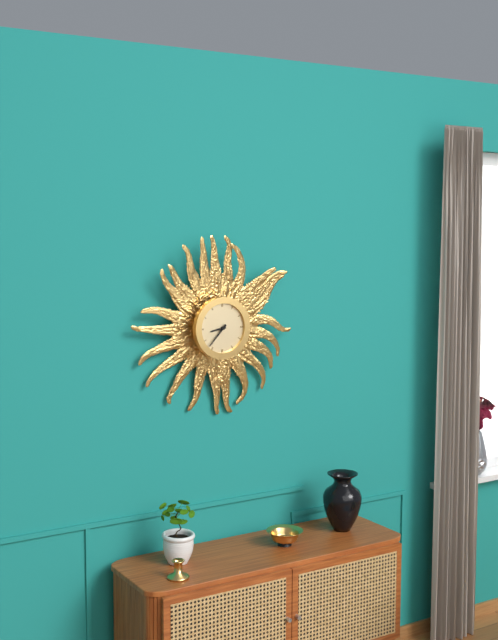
8:37
